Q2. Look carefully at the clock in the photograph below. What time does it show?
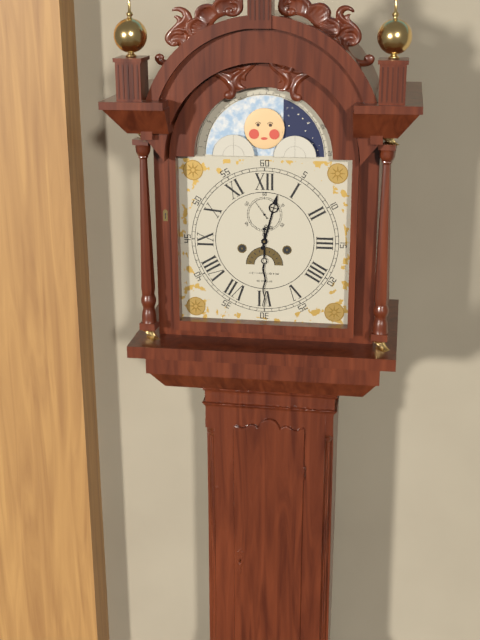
12:30
